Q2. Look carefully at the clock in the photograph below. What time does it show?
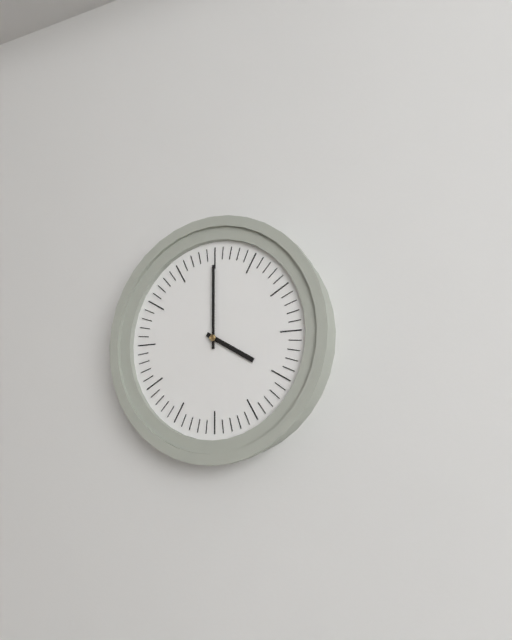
4:00
